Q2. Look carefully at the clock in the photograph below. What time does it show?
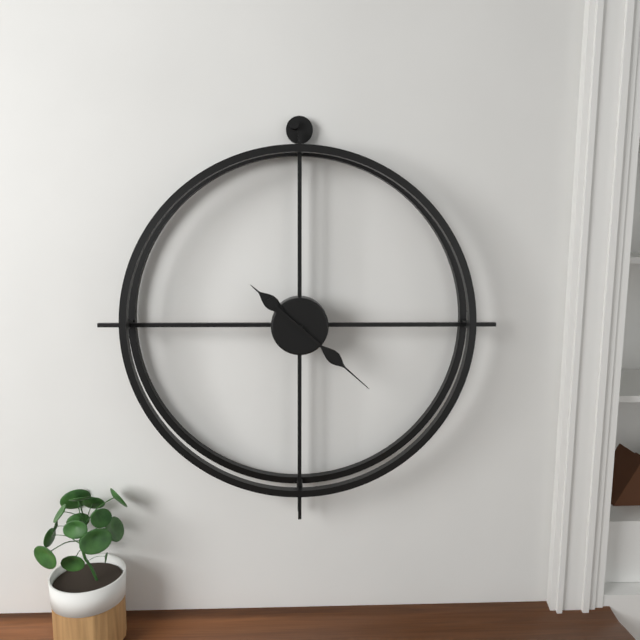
10:22
